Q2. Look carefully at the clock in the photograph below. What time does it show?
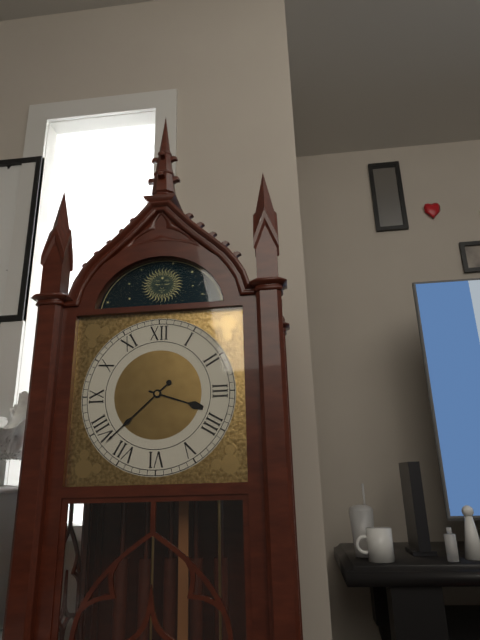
3:38
